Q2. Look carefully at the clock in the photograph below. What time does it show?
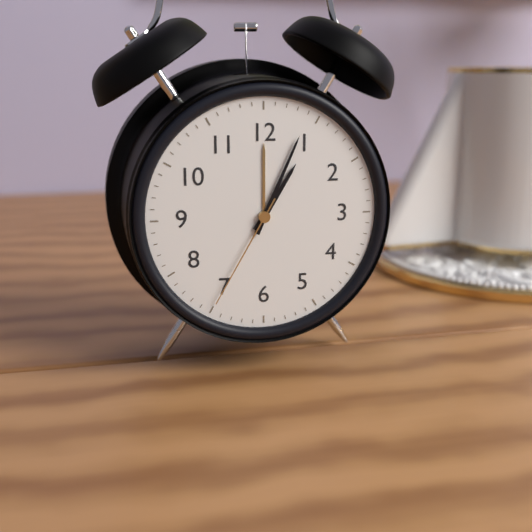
1:04:35
